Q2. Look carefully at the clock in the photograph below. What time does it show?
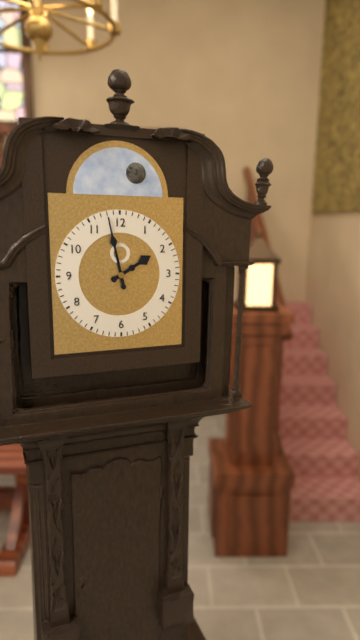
1:58
